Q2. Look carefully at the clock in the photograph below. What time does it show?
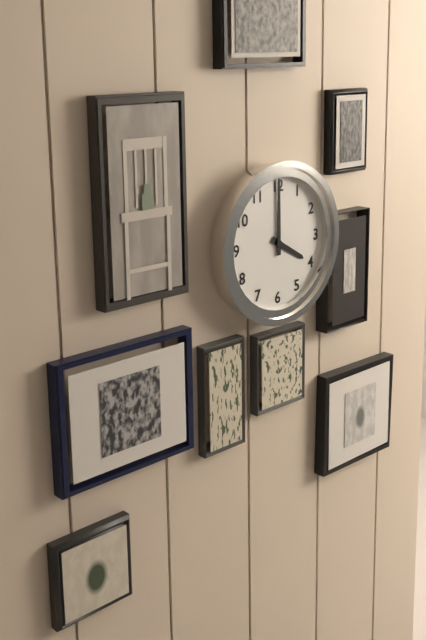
4:00
